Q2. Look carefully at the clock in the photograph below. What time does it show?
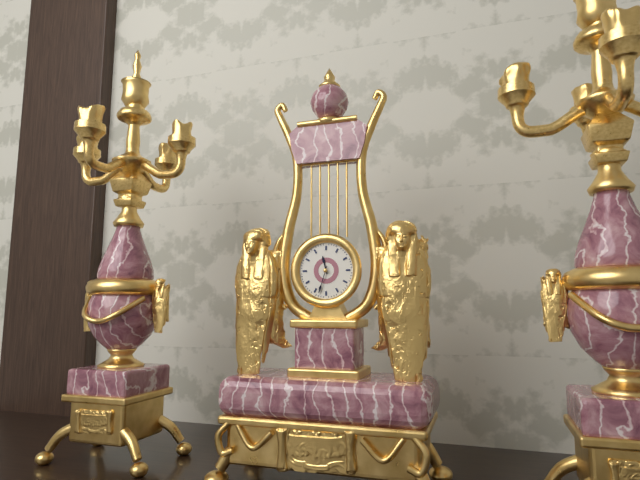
11:33
